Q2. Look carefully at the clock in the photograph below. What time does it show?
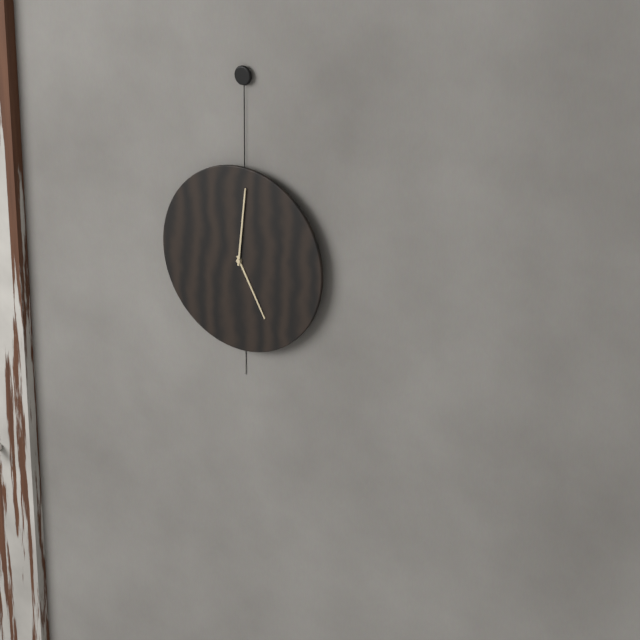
5:01
